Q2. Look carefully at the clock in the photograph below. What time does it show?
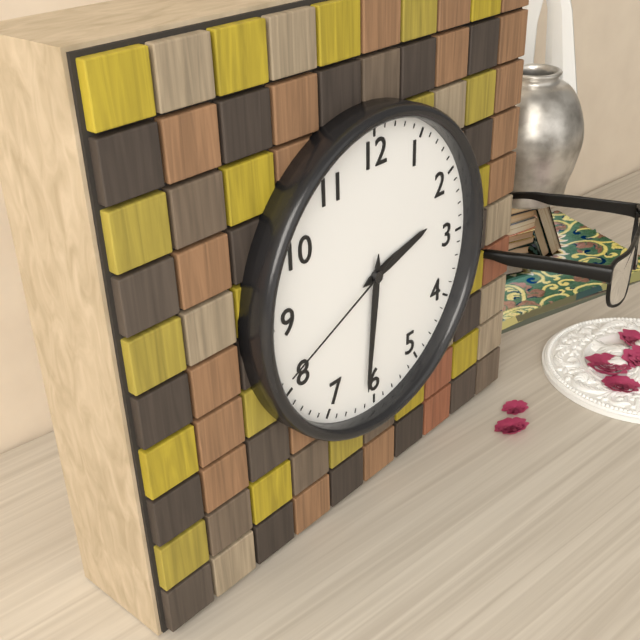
2:31:41
